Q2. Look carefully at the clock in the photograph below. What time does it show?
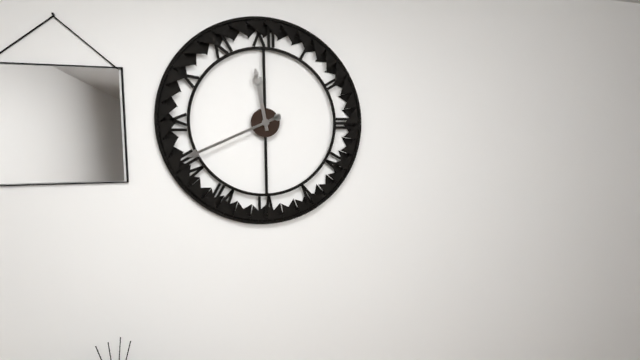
11:41
